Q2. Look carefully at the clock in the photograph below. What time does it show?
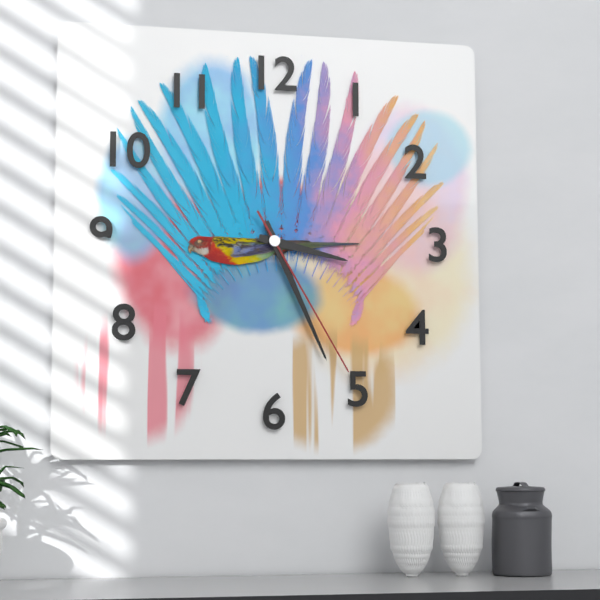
3:26:25
